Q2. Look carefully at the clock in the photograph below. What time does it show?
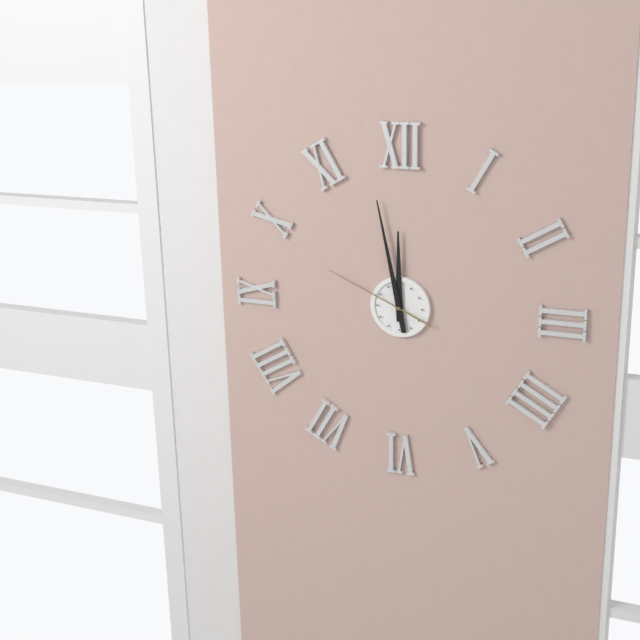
11:58:49
